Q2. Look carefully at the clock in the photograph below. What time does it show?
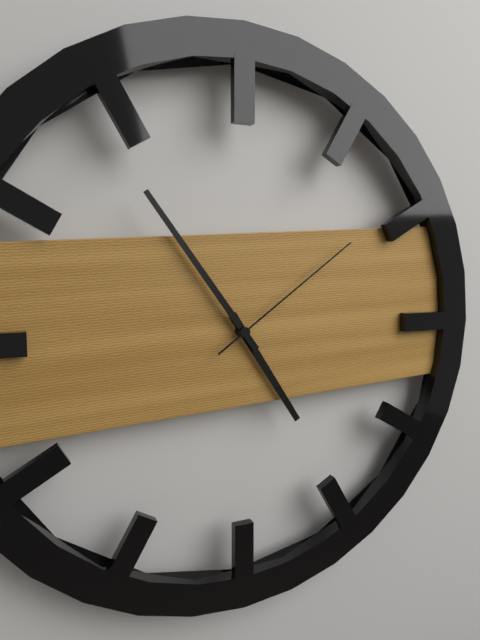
4:54:09
